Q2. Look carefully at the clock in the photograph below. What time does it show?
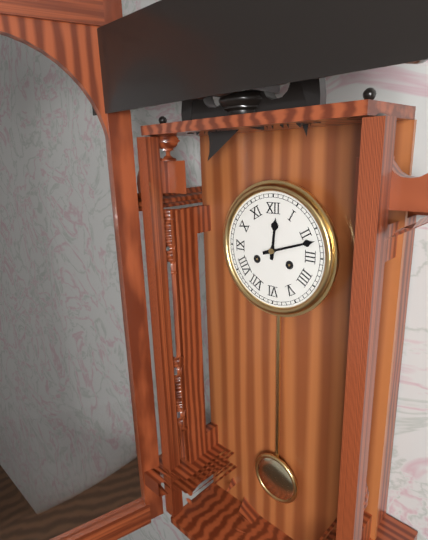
12:12
